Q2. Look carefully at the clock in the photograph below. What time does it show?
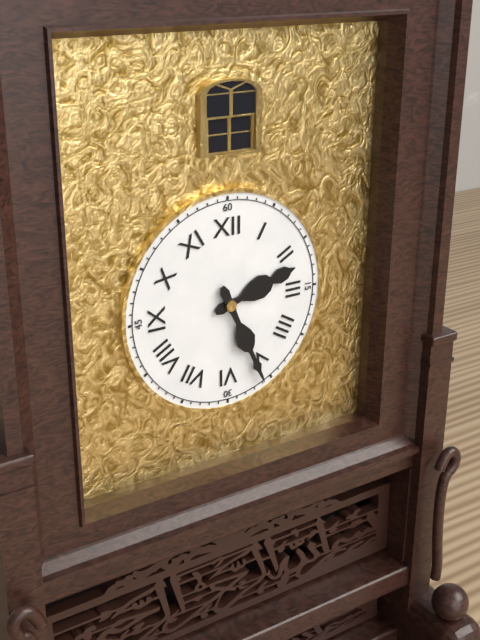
2:26
